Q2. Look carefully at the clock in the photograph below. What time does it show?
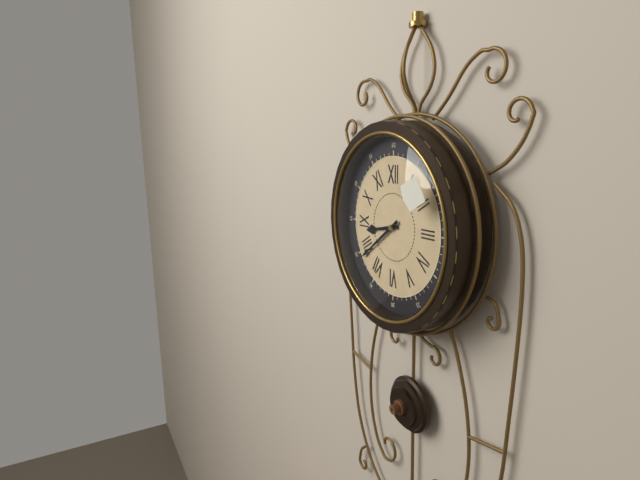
8:39
